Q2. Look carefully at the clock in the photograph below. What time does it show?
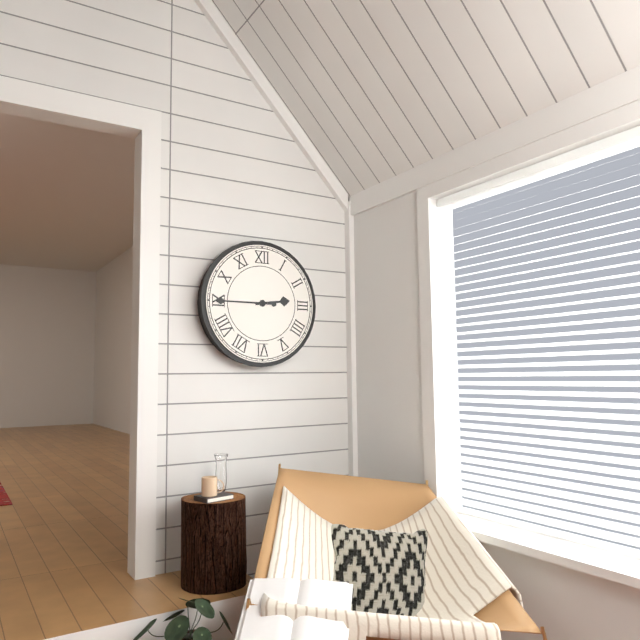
2:45
